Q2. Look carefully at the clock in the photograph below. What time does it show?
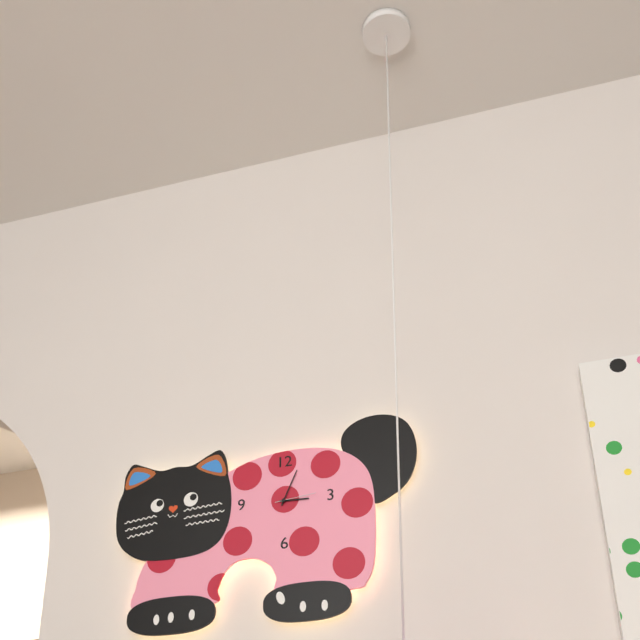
3:04
